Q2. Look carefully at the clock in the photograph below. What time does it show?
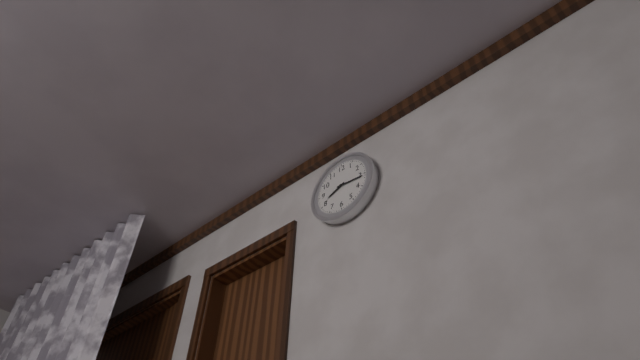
8:16
